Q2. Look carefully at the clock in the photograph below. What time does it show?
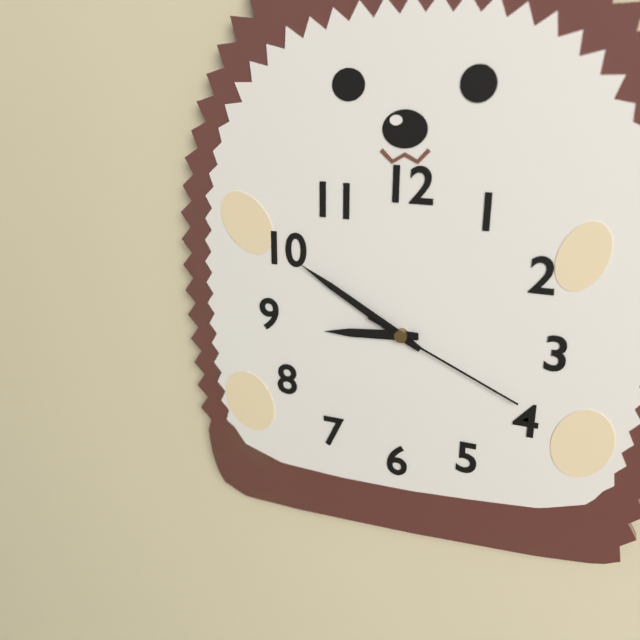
8:50:19
